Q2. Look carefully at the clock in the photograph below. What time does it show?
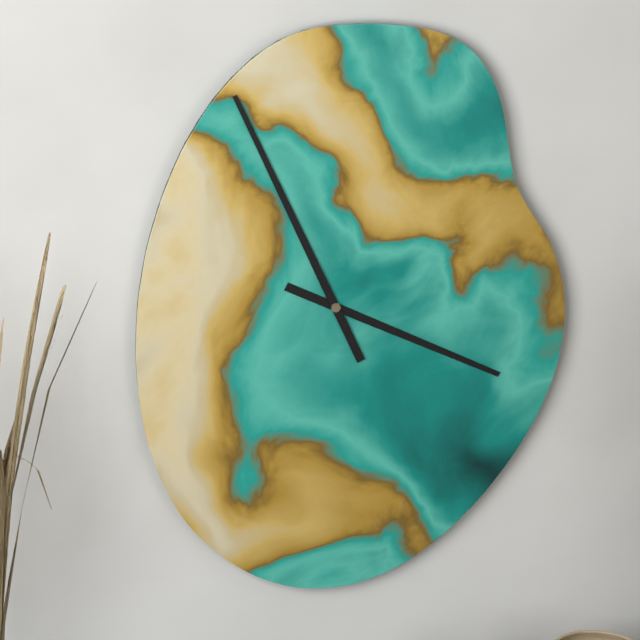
3:56
